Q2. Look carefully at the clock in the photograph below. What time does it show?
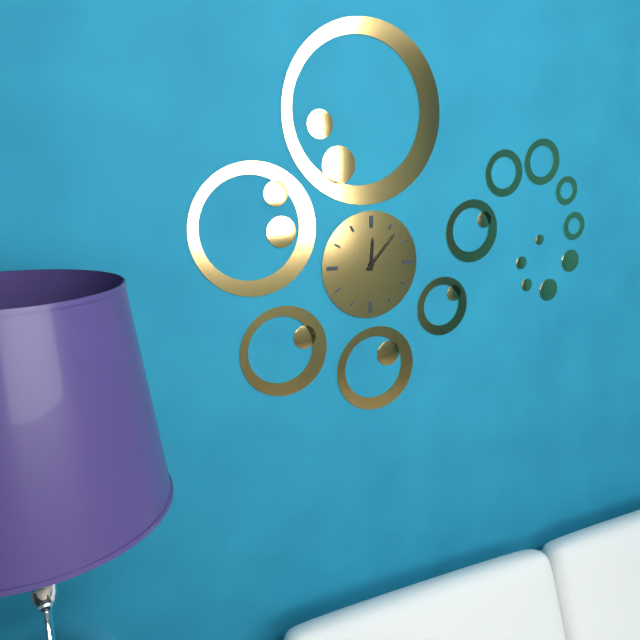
12:07
